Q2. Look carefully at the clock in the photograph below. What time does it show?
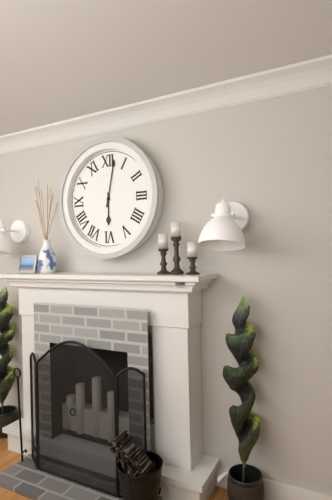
6:02
